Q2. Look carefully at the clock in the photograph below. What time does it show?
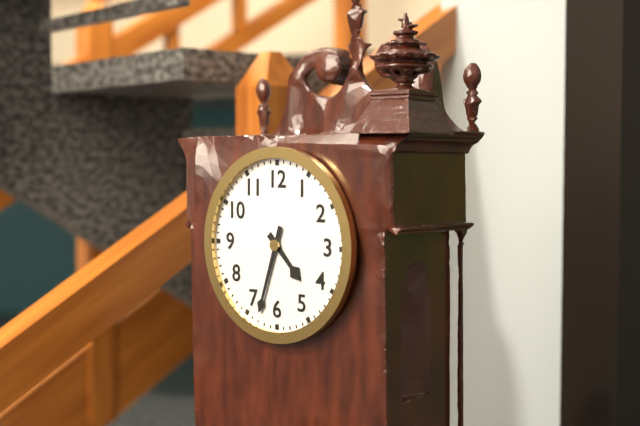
4:33
